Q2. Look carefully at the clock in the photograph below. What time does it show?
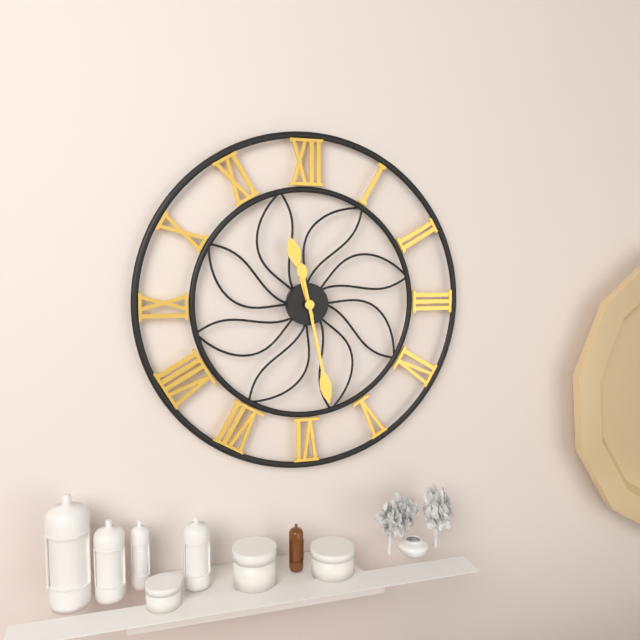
11:28
